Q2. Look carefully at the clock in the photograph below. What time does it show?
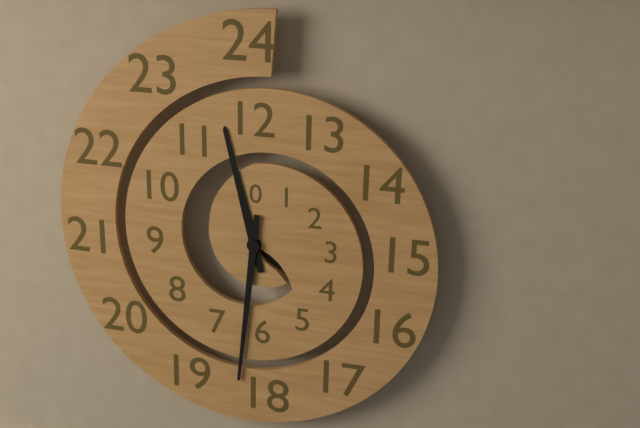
11:31
